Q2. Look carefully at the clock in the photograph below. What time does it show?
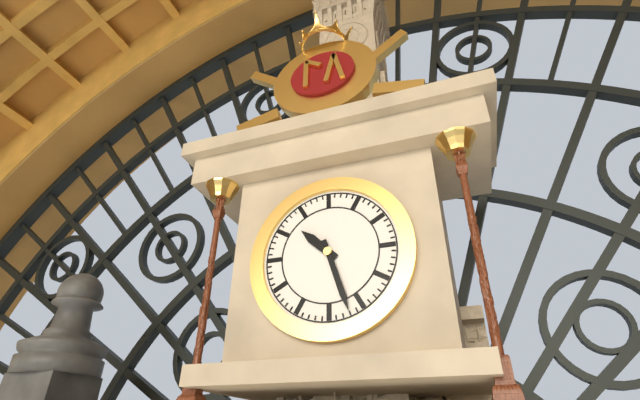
10:27
